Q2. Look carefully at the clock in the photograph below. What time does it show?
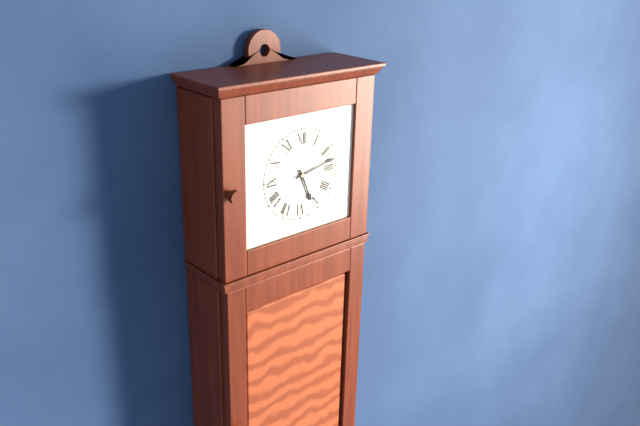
5:13
